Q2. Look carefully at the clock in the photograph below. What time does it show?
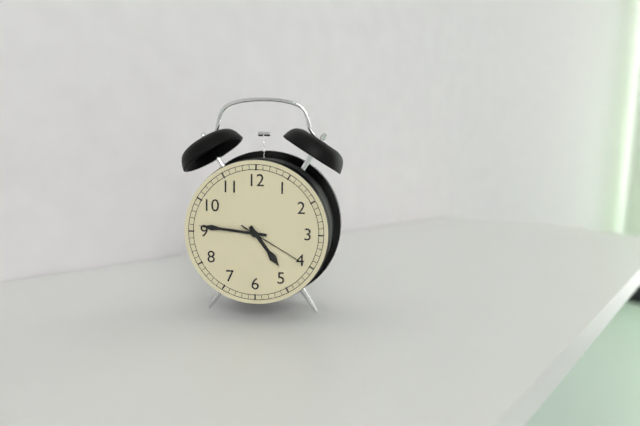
4:46:20
